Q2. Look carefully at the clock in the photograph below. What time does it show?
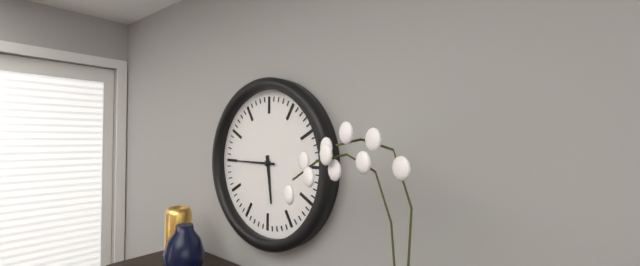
5:45
